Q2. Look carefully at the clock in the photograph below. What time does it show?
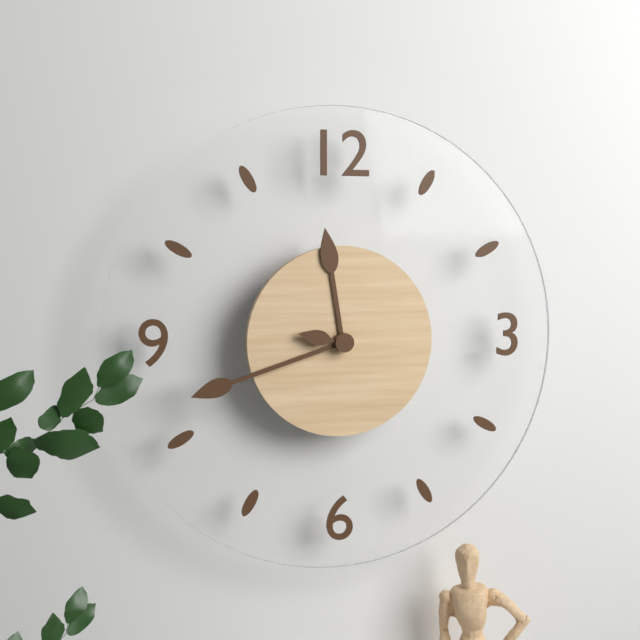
11:42
